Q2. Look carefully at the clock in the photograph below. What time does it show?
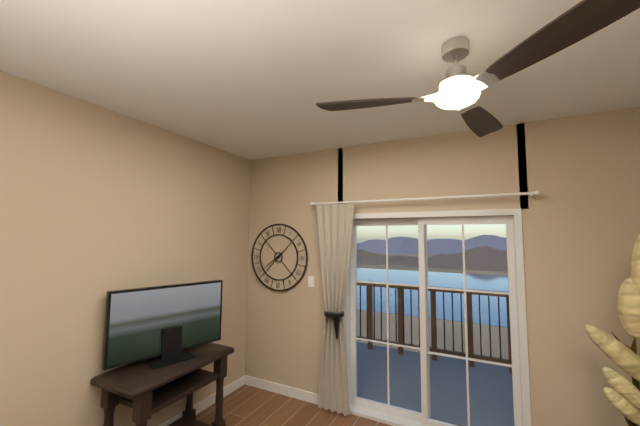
1:39
